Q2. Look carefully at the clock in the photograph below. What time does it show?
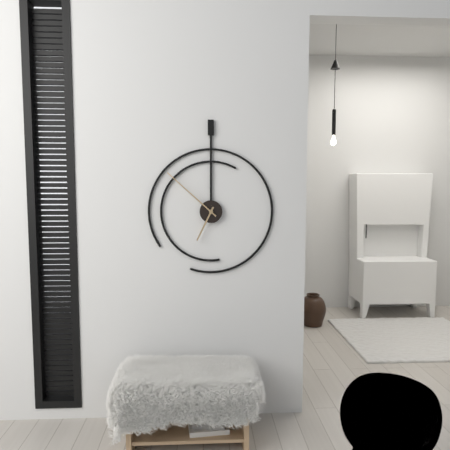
6:52
